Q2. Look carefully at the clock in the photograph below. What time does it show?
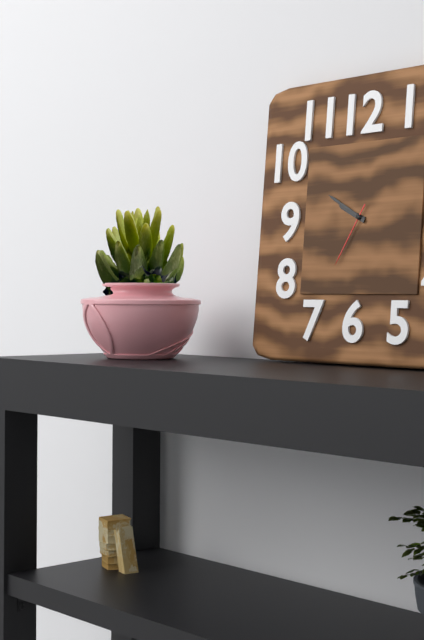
9:50:35
